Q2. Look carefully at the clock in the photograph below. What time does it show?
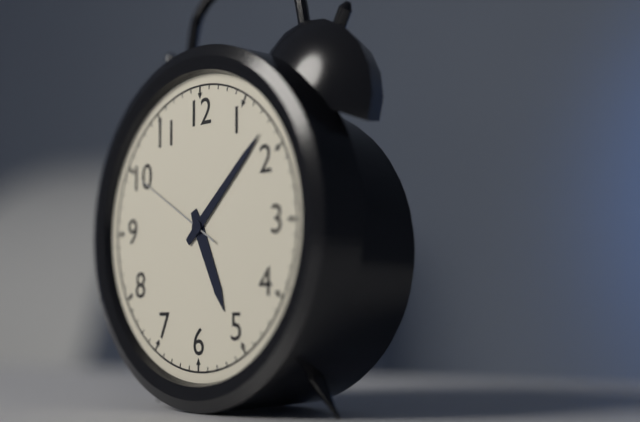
5:08:50
